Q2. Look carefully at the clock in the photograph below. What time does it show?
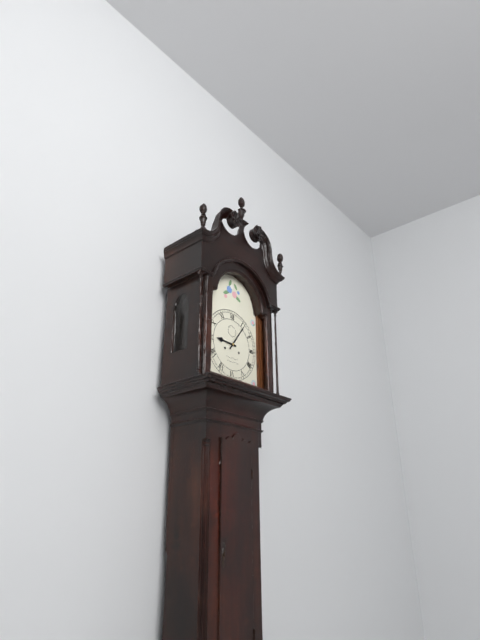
9:06
